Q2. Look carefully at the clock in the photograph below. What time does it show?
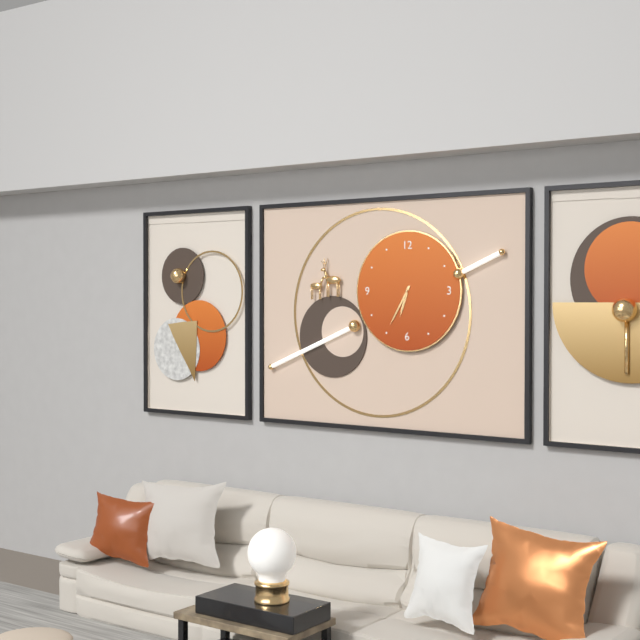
6:35
